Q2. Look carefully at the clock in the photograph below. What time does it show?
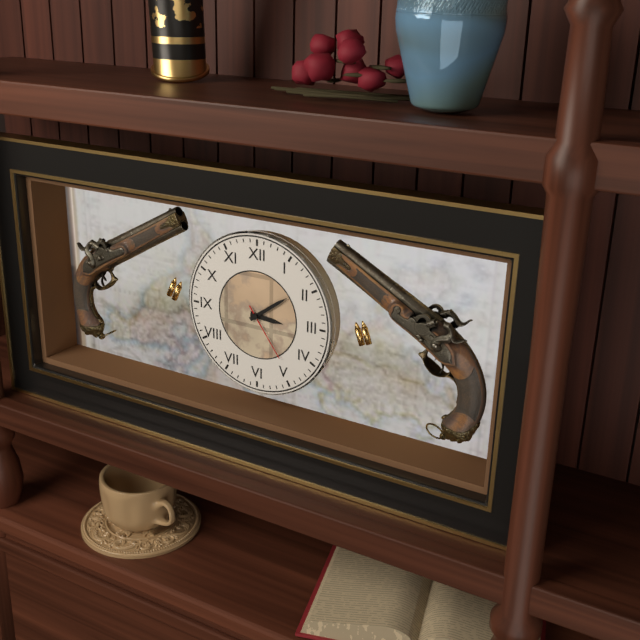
3:09:24
